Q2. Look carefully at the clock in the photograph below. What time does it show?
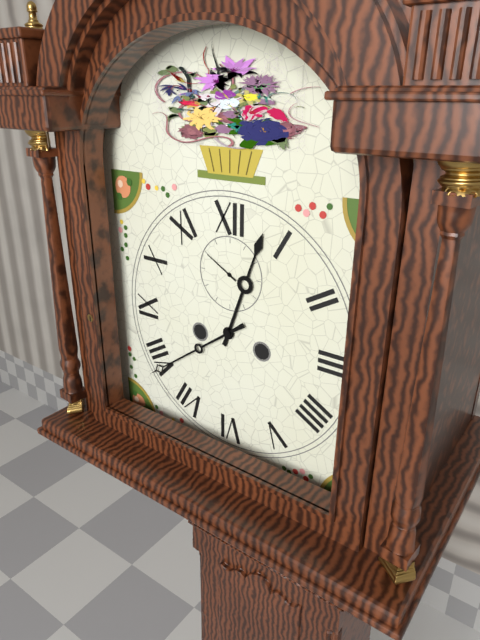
12:39
